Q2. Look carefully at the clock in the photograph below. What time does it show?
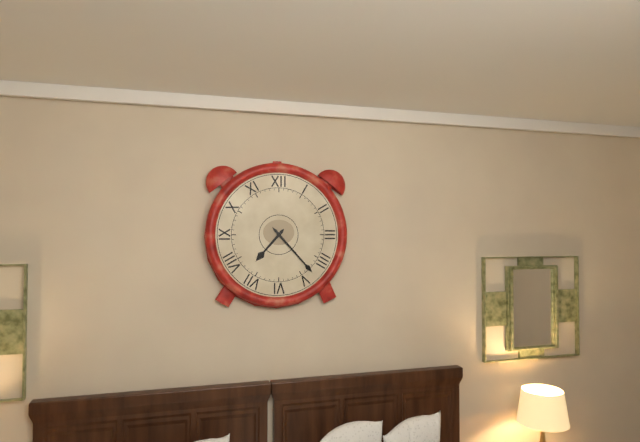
7:23
